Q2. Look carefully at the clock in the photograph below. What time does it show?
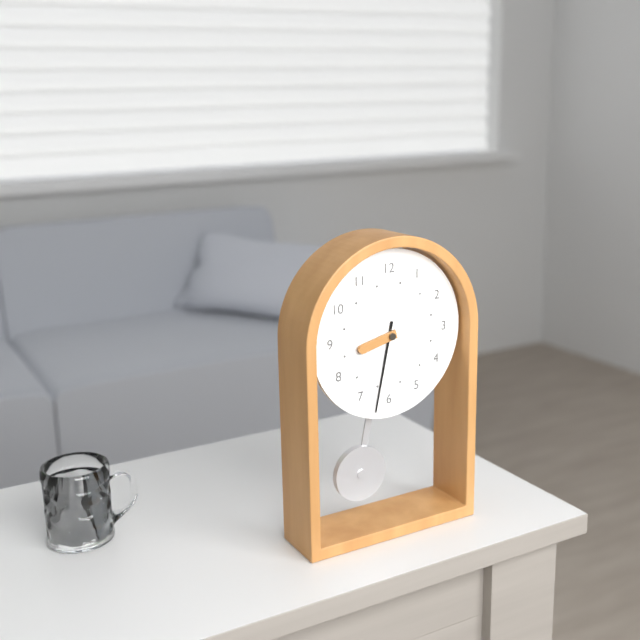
8:32
